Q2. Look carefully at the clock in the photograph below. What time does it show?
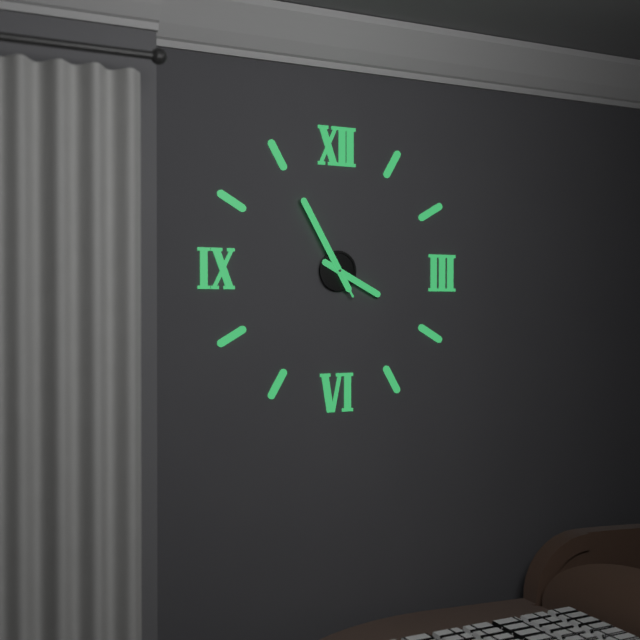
3:55:55
